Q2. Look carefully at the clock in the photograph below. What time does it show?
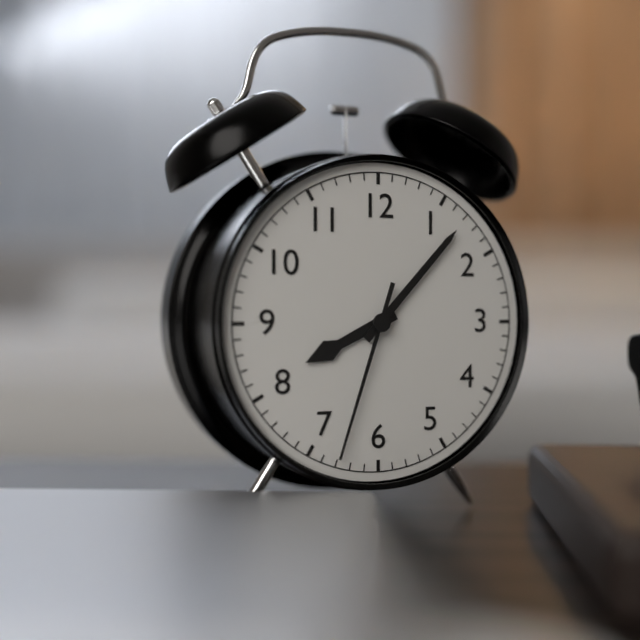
8:07:33
